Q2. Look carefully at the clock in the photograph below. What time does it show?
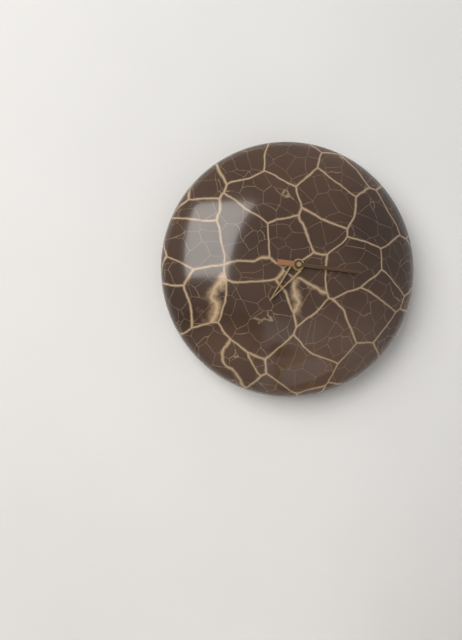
7:16
